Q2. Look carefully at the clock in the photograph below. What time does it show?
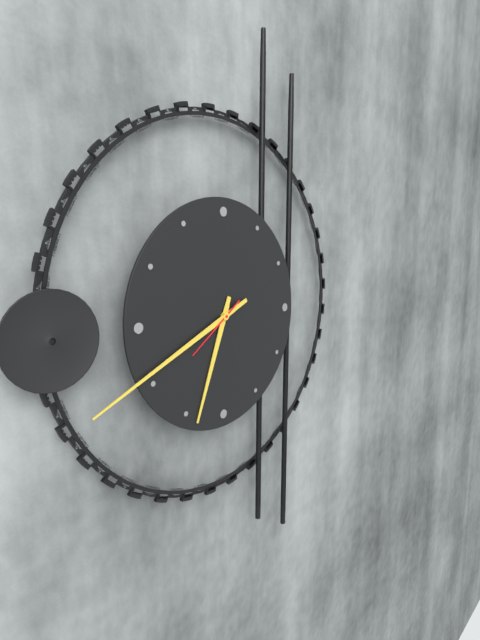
6:41:39
